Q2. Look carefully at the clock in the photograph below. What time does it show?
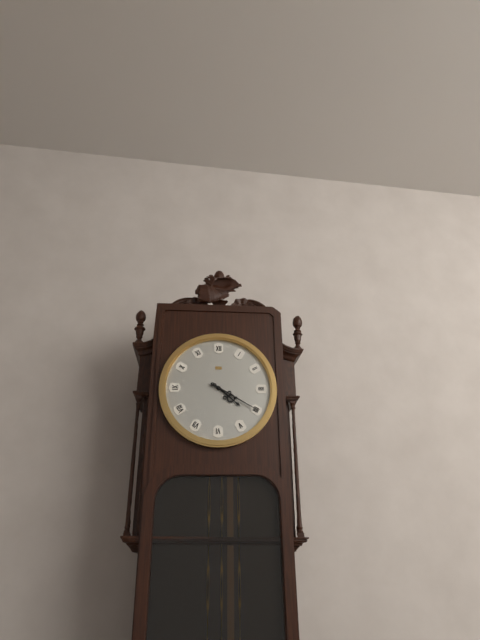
4:20
